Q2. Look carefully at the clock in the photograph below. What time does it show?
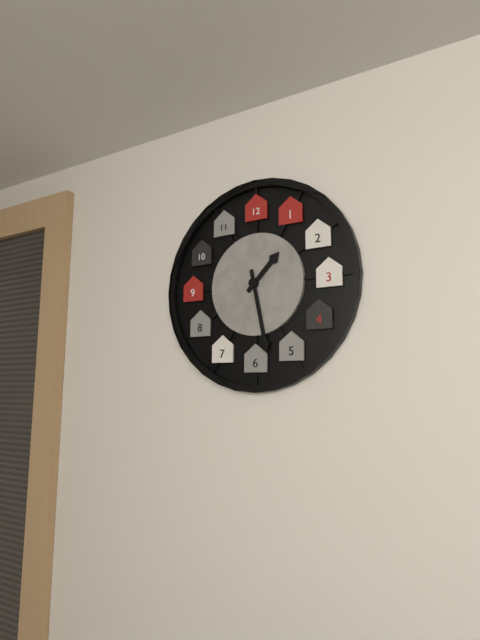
1:28
